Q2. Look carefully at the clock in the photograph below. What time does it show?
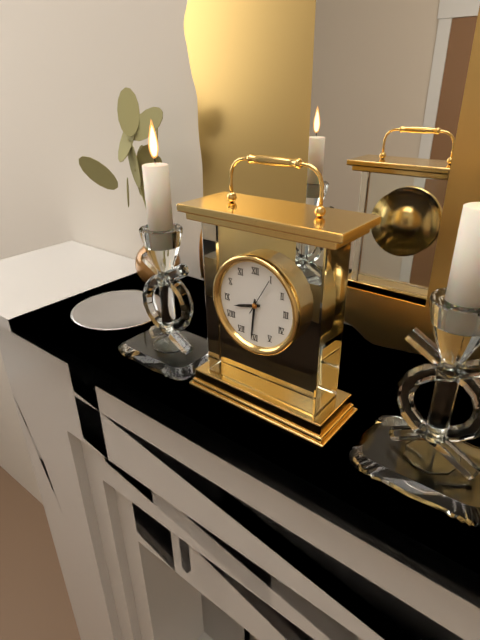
8:31
